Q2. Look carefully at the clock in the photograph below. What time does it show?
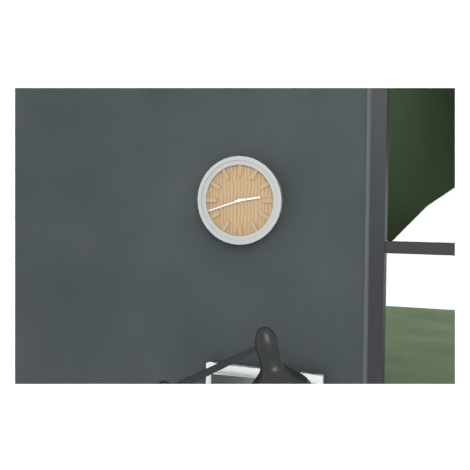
2:42
